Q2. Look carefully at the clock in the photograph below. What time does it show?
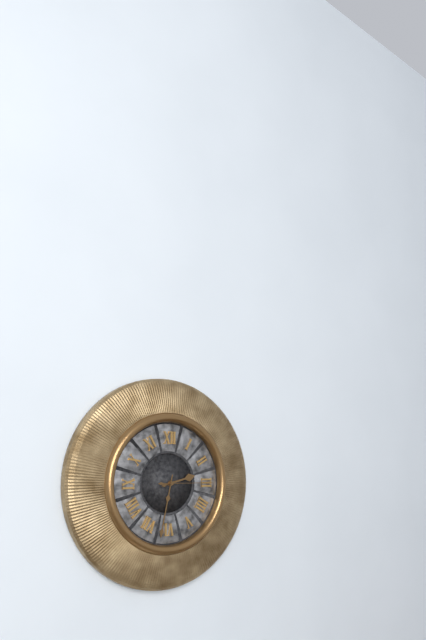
2:32:15
